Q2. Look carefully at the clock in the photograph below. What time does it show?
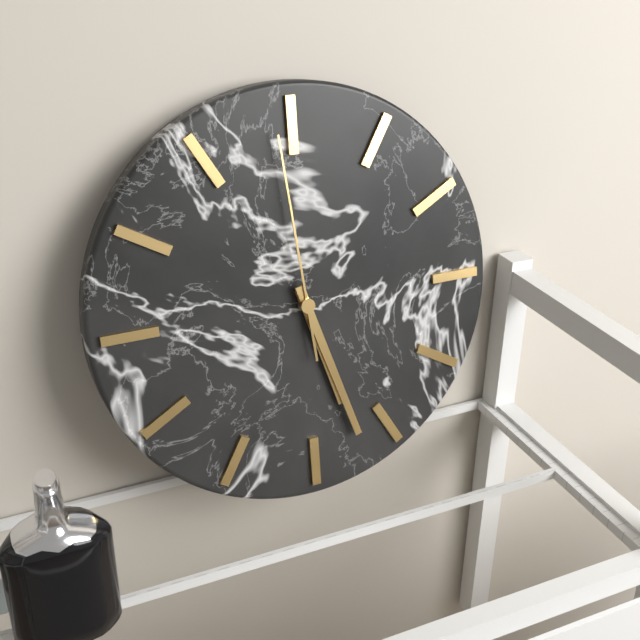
5:27:59
